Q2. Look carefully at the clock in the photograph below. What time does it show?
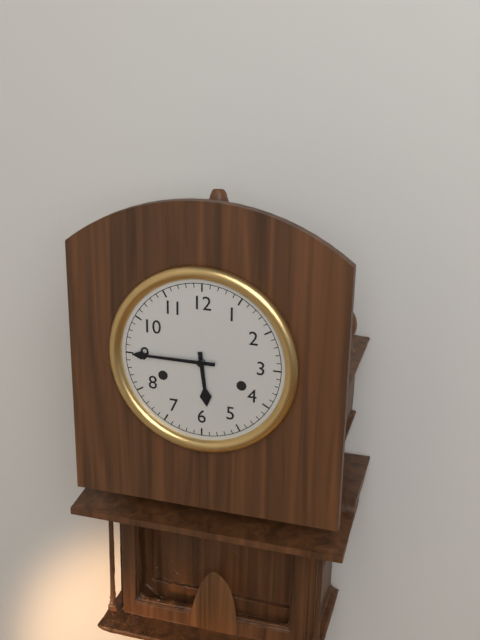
5:45
